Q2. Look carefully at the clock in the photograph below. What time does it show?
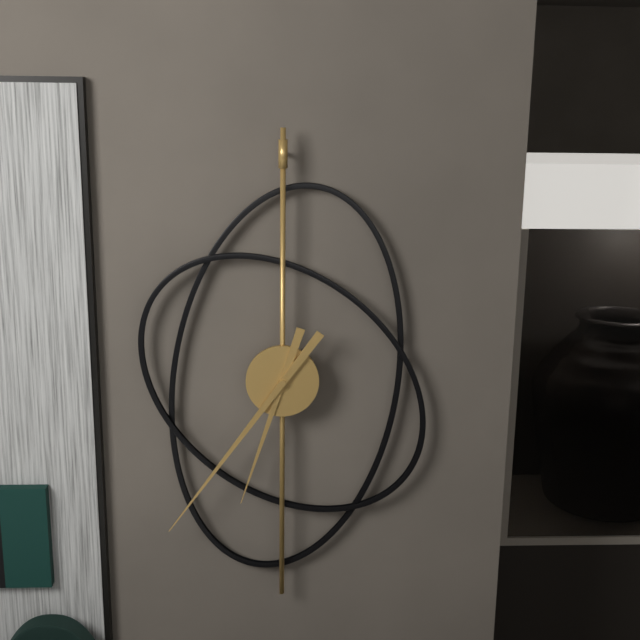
6:36
